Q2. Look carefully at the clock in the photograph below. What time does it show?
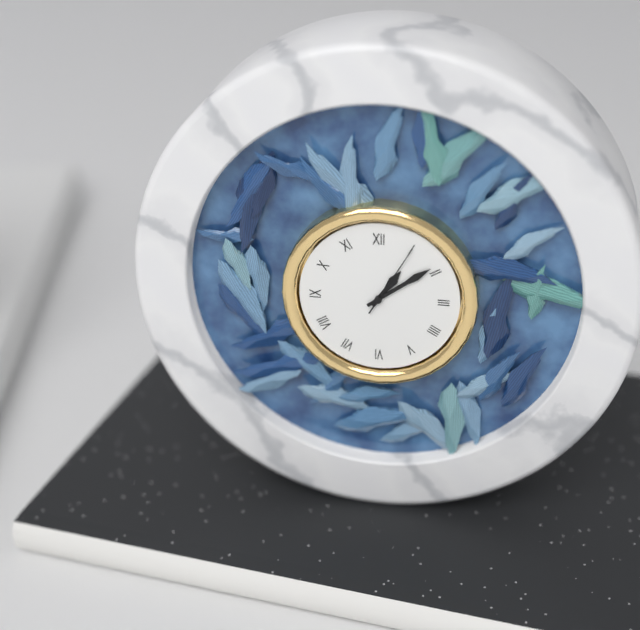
1:09:05
